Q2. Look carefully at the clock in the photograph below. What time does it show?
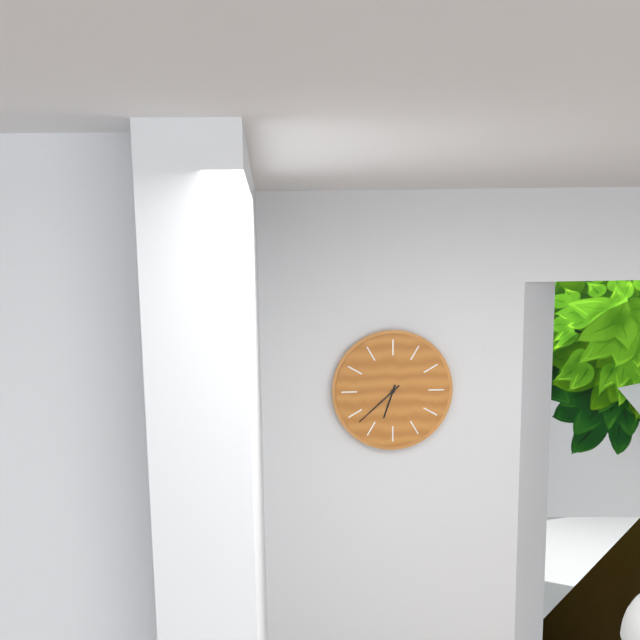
6:38
